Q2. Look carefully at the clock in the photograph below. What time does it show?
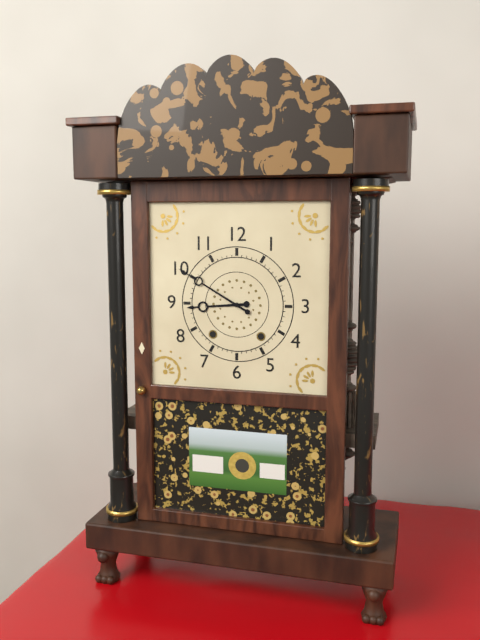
8:50
